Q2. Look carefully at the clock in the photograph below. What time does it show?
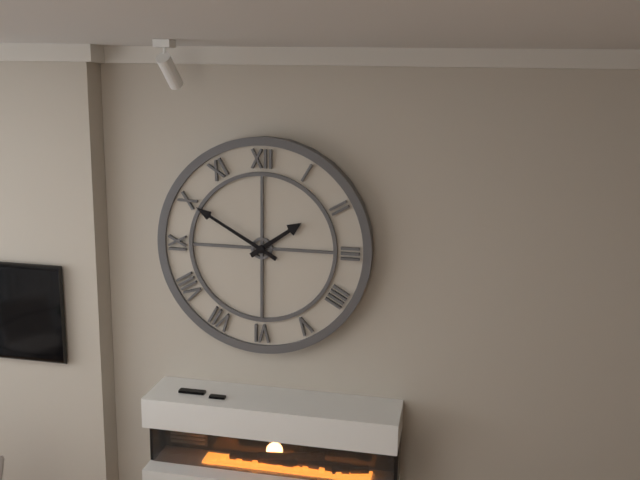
1:50
